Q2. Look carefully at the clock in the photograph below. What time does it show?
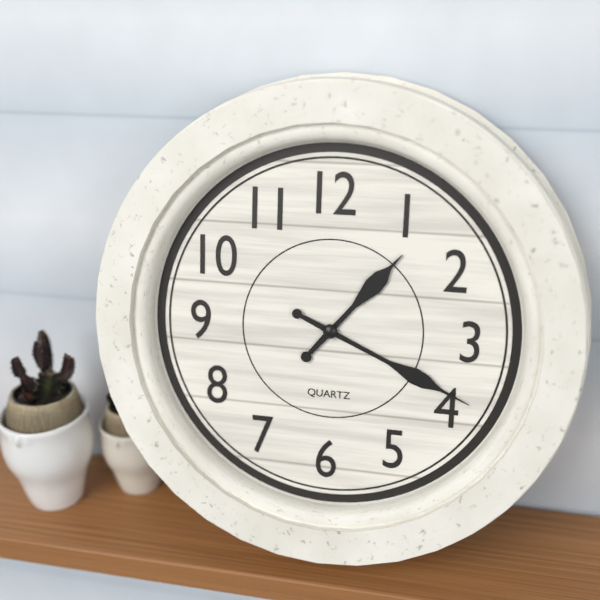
1:19
